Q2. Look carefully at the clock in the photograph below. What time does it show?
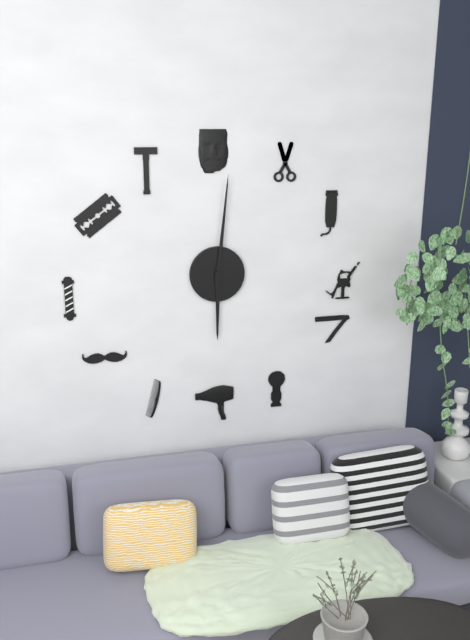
6:01
